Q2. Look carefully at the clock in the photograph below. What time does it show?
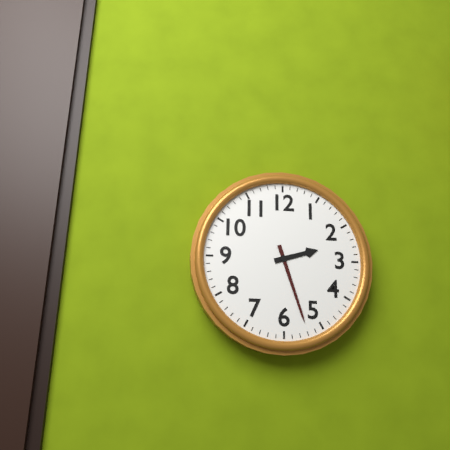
2:27
